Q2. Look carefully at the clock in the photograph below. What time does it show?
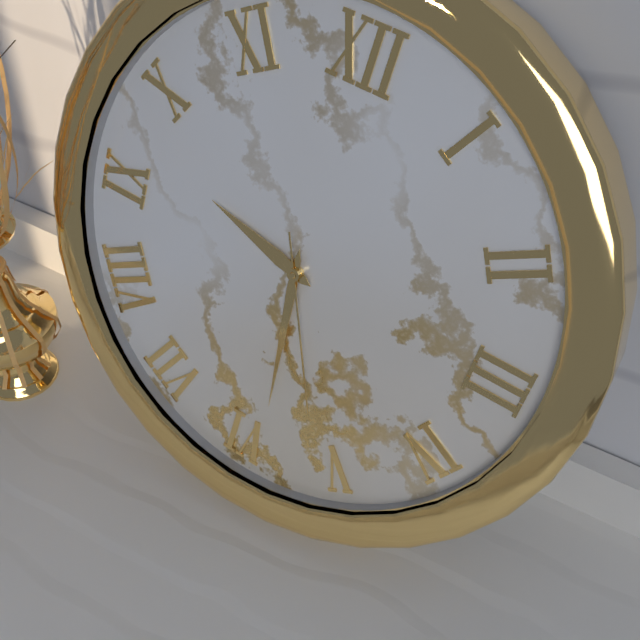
9:29:26
